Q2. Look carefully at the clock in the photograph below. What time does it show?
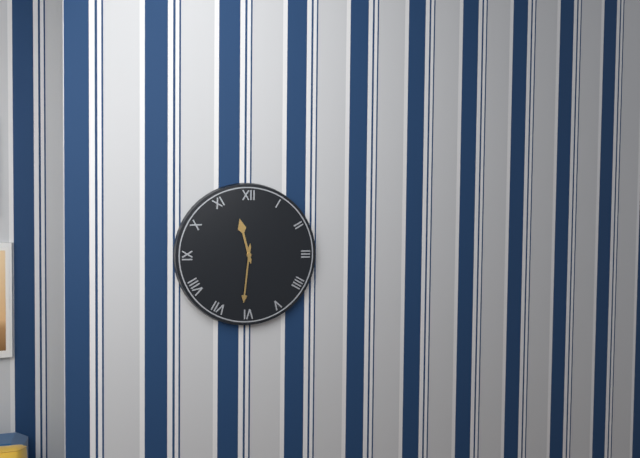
11:31
